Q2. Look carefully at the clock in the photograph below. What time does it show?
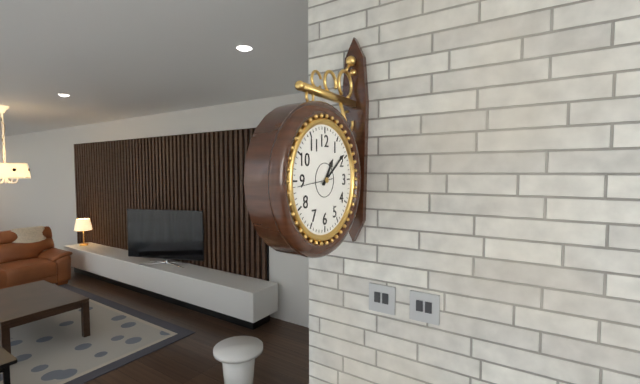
1:09
